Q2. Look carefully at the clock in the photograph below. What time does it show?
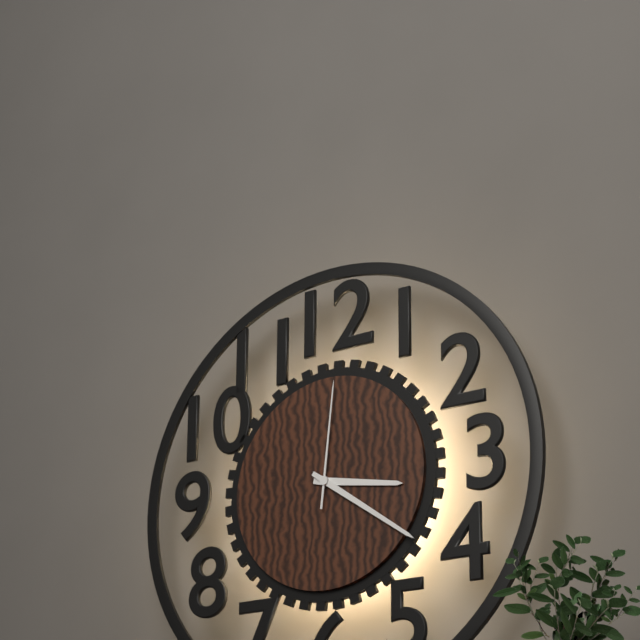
3:21:01
